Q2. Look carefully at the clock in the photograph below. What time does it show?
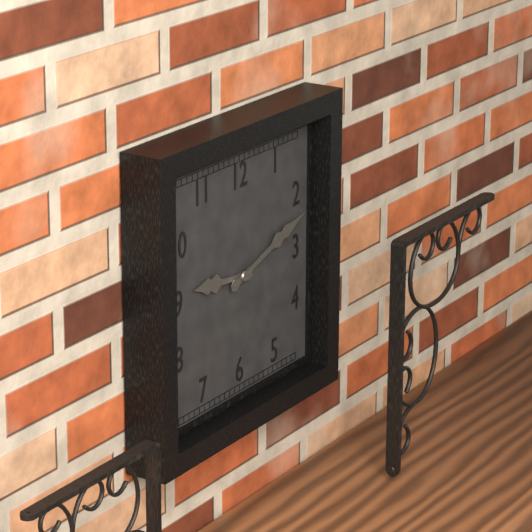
9:12
